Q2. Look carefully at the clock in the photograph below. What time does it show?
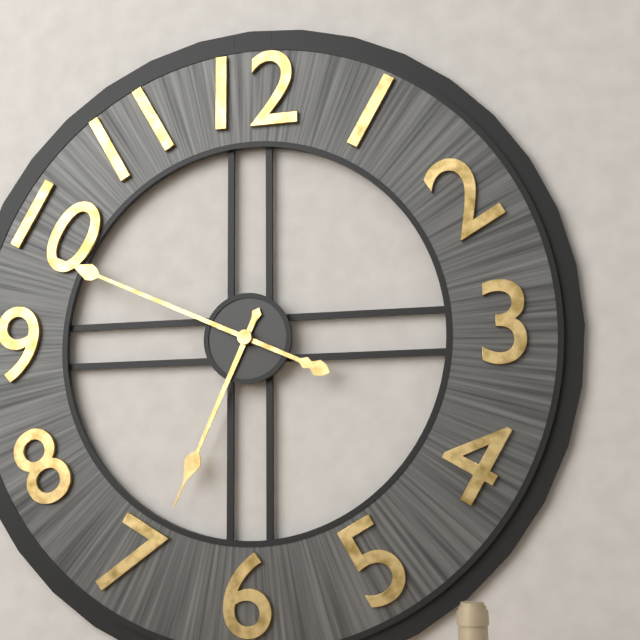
6:49
